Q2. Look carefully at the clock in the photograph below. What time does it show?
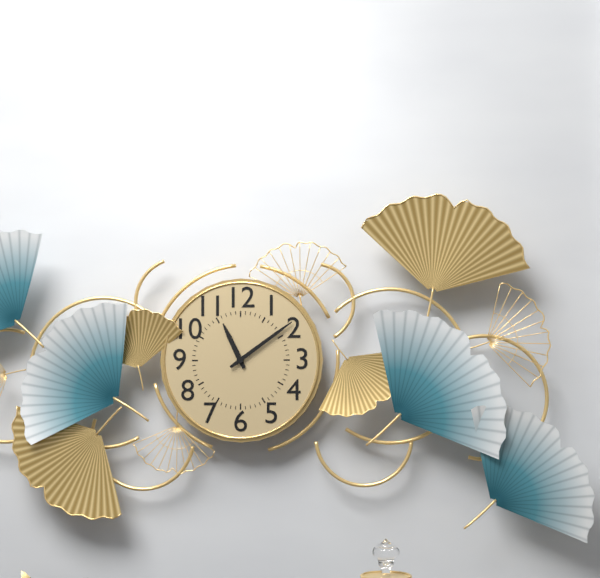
11:09
